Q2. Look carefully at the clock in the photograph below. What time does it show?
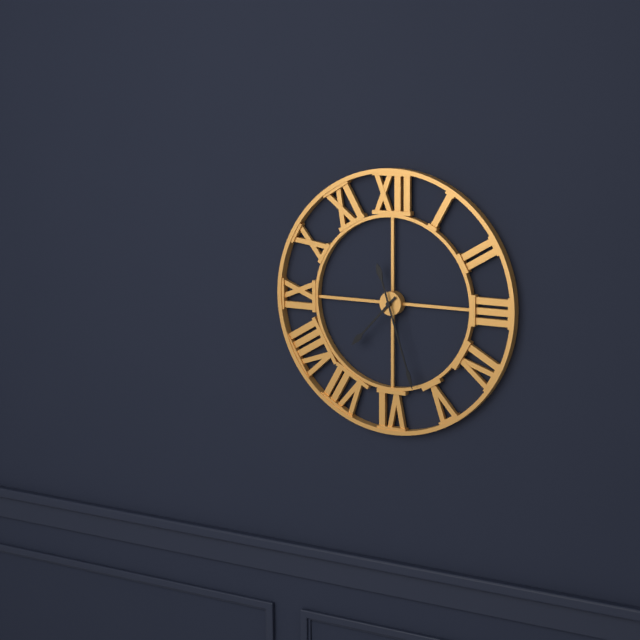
7:27
